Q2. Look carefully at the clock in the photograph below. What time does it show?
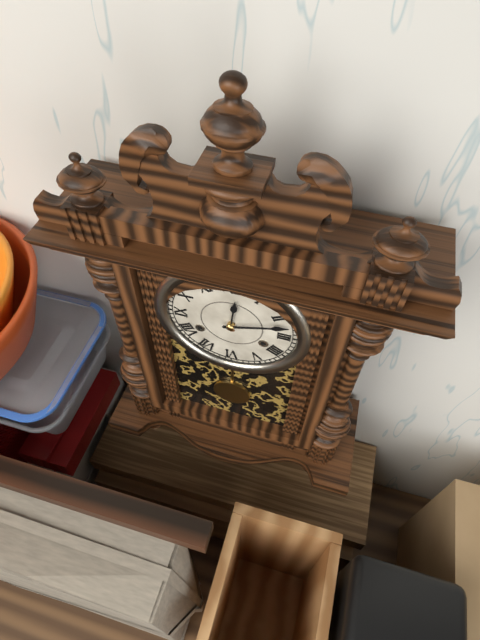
12:12
